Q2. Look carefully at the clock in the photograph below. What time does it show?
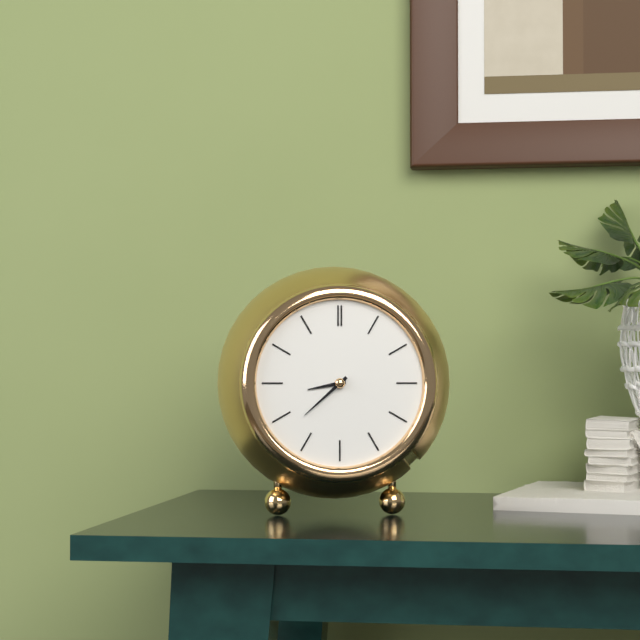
8:38
